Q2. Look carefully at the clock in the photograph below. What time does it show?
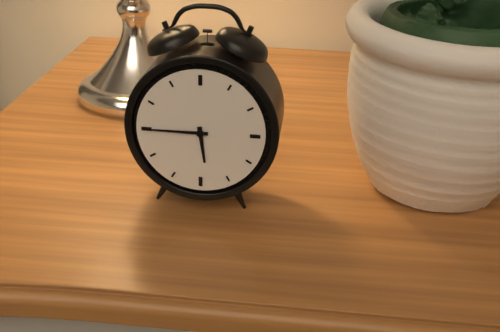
5:45
